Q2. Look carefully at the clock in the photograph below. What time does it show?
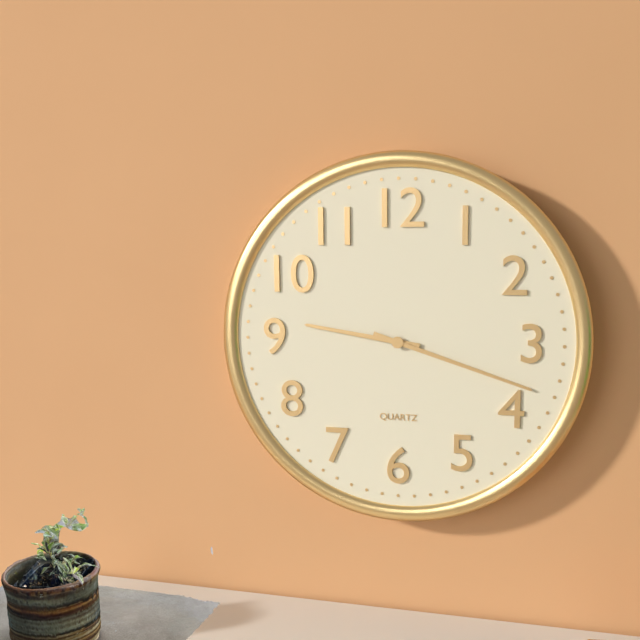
9:18
